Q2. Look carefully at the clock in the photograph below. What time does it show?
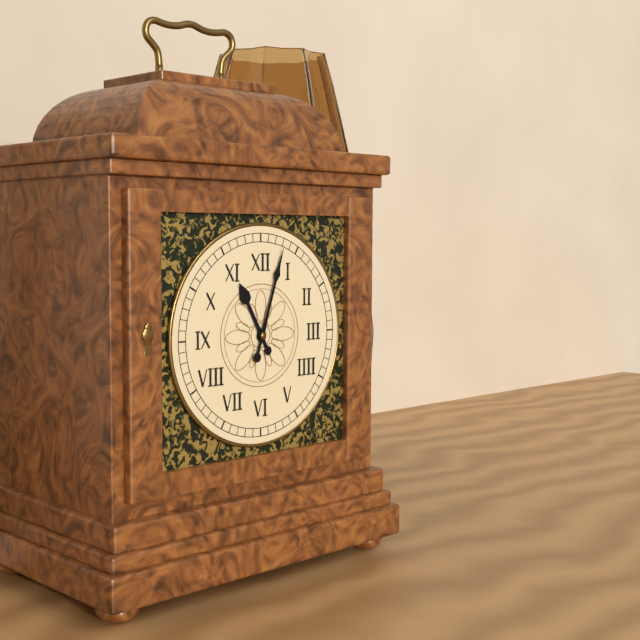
11:03
